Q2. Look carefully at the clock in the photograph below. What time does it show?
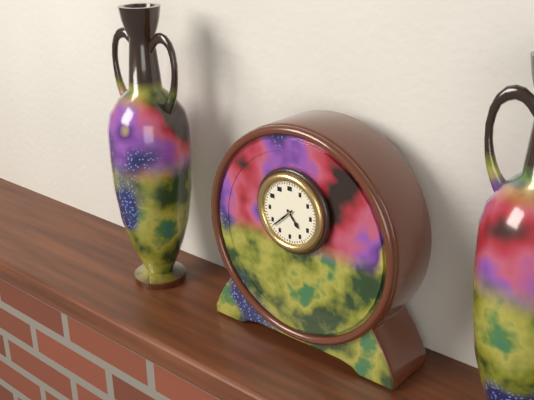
4:38
